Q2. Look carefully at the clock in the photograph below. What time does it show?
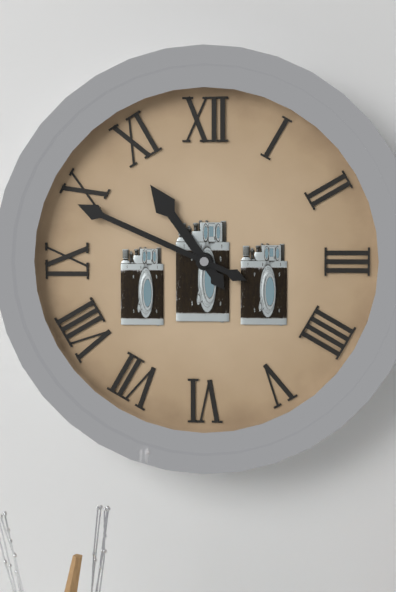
10:49
